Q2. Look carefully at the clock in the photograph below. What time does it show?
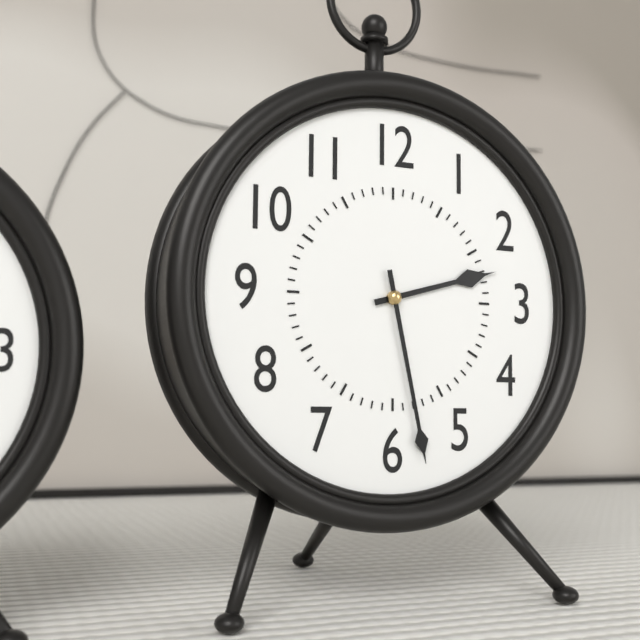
2:28
